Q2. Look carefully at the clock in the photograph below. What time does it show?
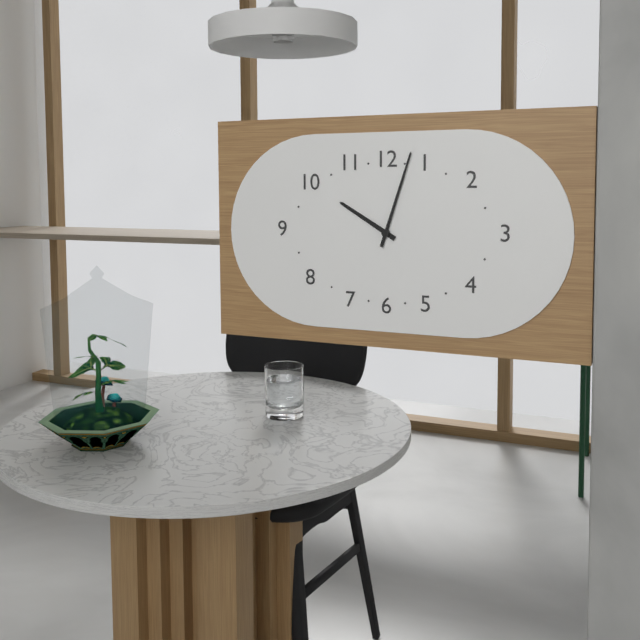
10:03
